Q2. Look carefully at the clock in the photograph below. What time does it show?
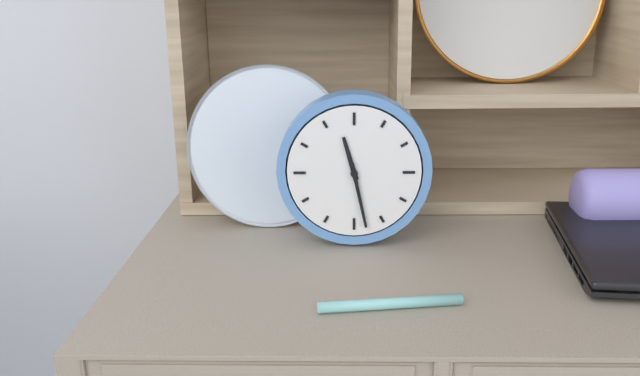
11:28
